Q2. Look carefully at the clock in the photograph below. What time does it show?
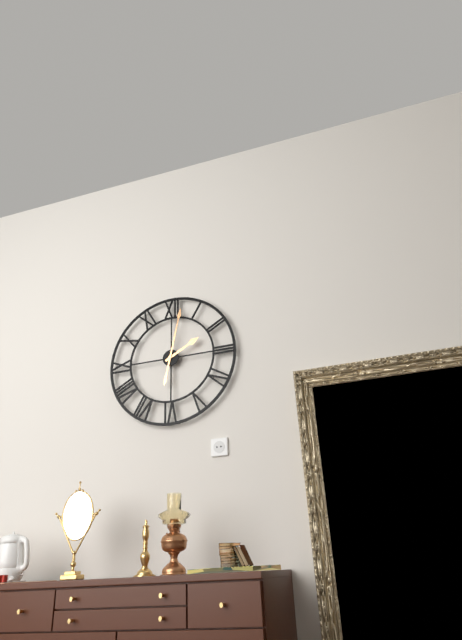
2:02
